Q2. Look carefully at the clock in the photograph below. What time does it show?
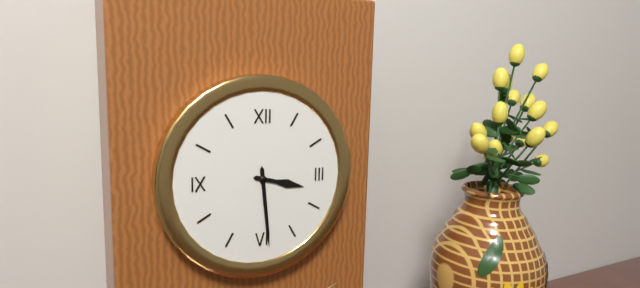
3:29
